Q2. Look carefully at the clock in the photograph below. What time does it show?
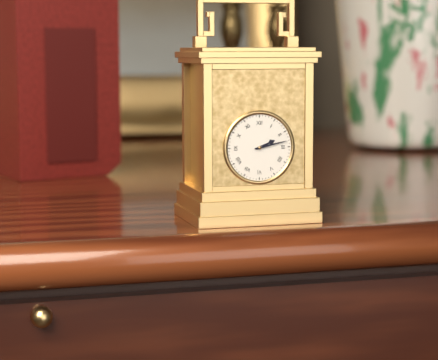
2:13
